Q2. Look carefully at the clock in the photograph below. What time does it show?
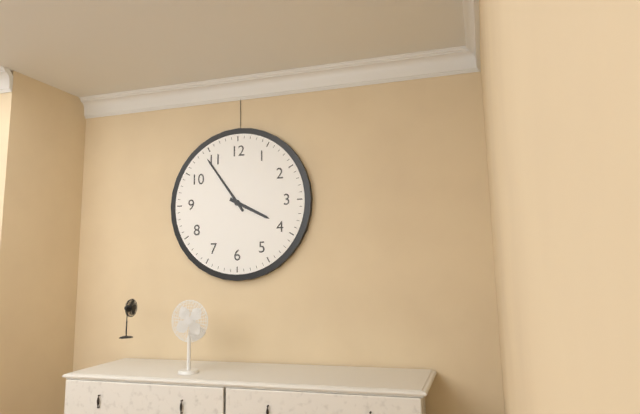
3:54
